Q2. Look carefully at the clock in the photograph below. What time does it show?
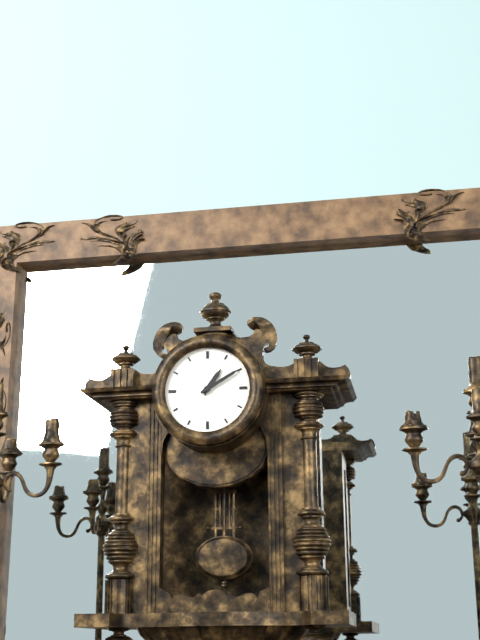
1:10
